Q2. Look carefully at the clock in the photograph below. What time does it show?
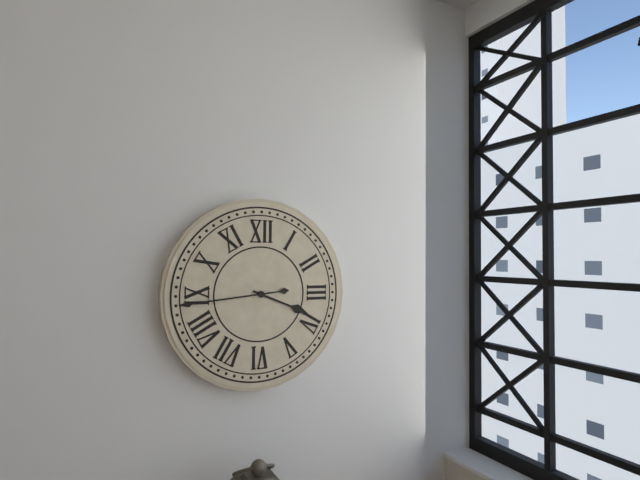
3:44
